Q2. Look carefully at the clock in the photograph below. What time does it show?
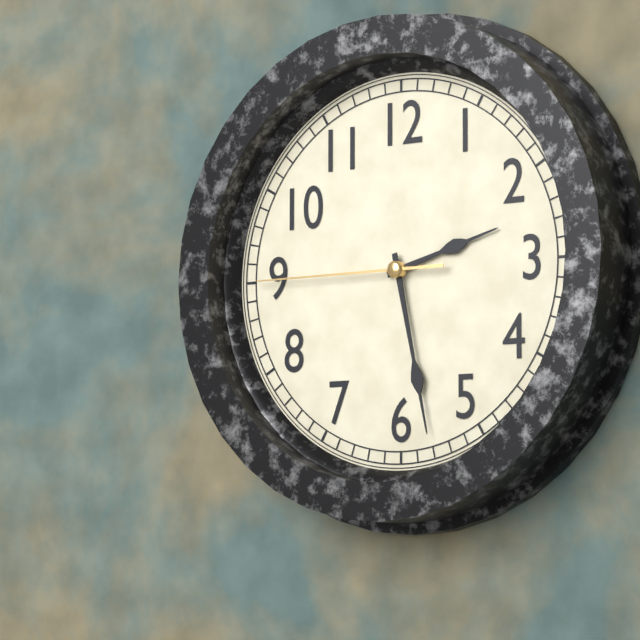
2:28:45
